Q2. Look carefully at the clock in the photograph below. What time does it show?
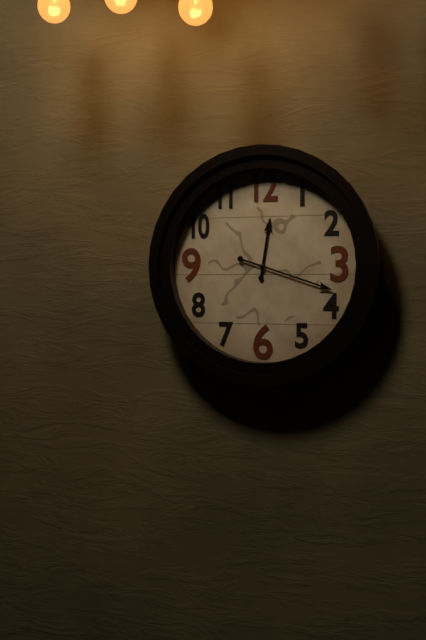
12:18
